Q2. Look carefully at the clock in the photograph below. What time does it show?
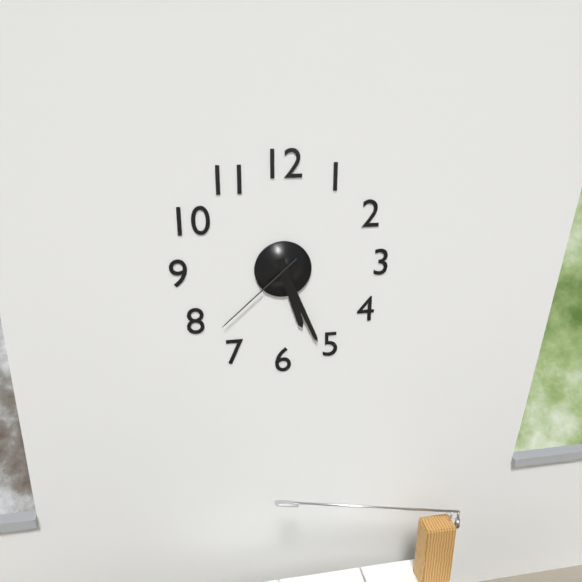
5:26:38
